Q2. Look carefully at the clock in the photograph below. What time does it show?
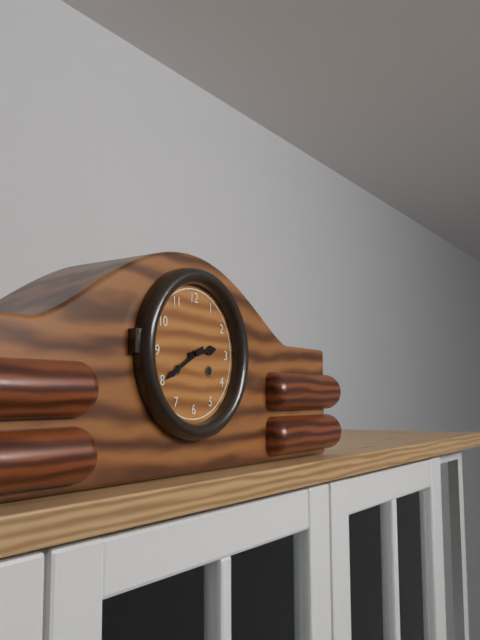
2:40
